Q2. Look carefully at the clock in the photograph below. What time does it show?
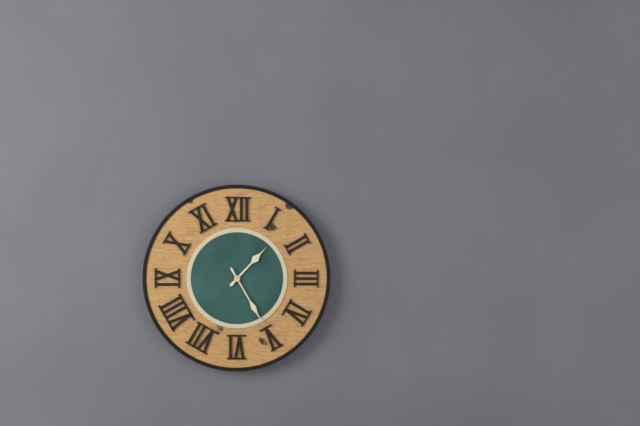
1:25
